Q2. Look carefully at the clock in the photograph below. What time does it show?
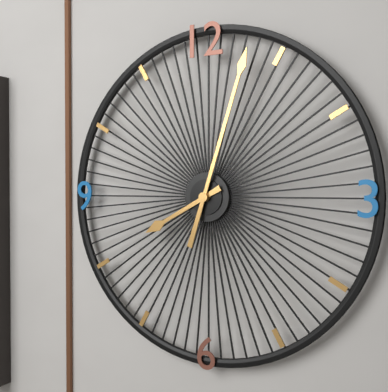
8:03
